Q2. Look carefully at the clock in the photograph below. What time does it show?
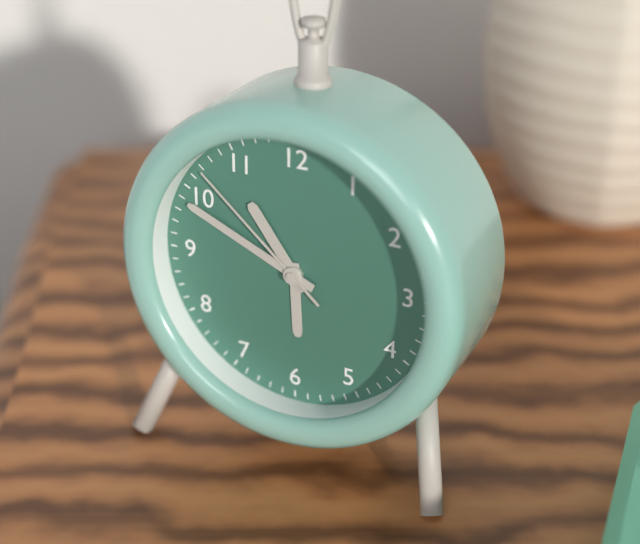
10:49:52
